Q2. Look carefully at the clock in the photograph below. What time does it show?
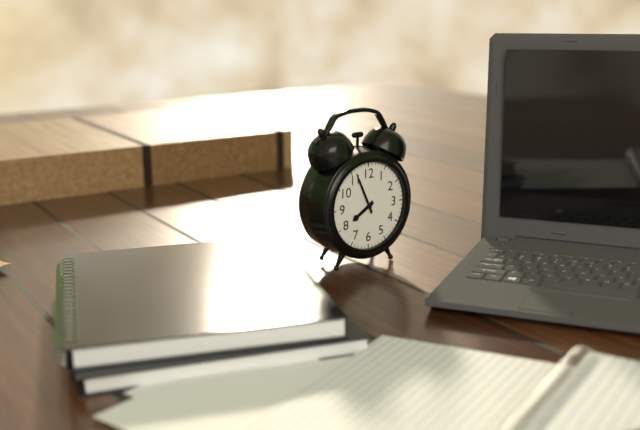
7:56
